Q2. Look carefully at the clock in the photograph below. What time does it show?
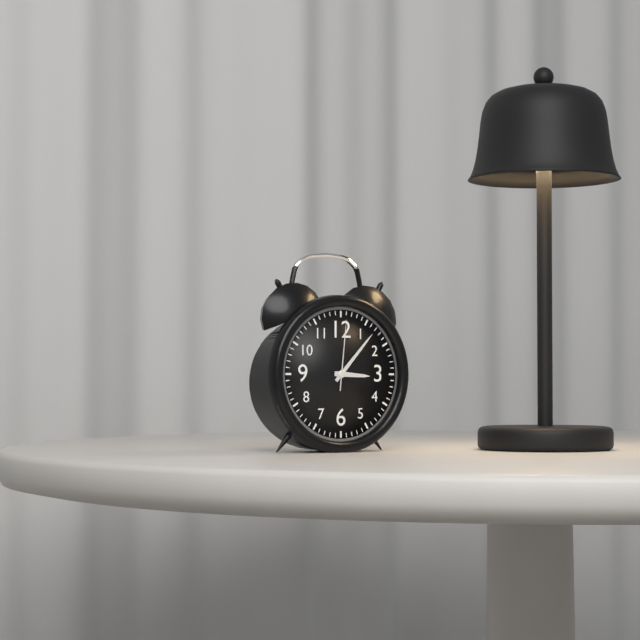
3:07:01
